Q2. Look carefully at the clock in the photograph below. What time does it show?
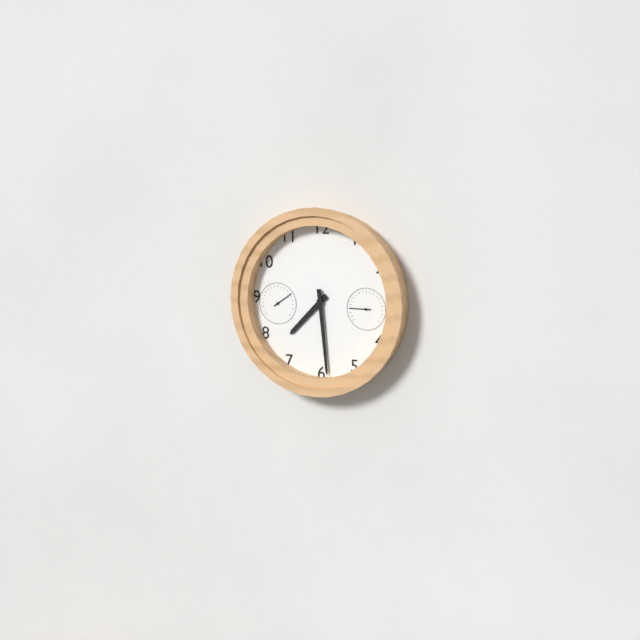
7:29
